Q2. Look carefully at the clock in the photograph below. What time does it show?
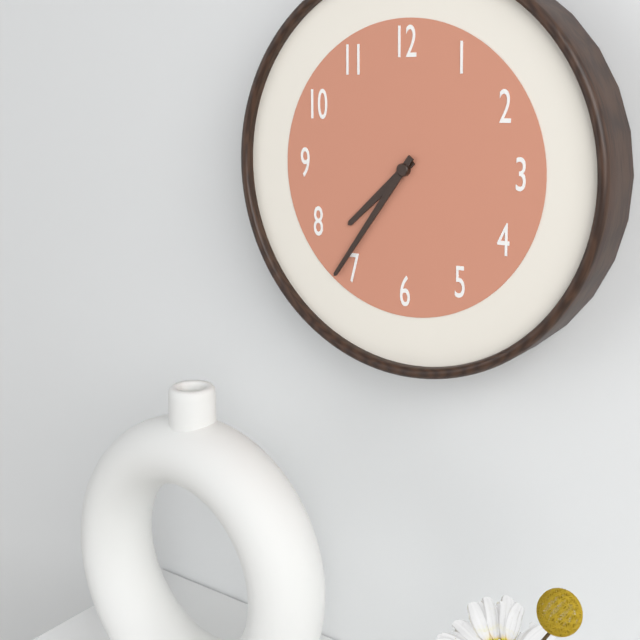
7:36
